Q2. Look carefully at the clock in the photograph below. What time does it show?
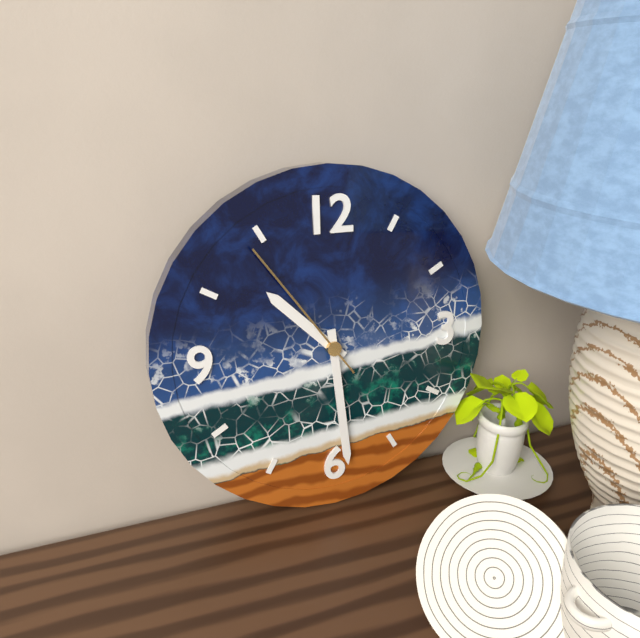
10:29:54
